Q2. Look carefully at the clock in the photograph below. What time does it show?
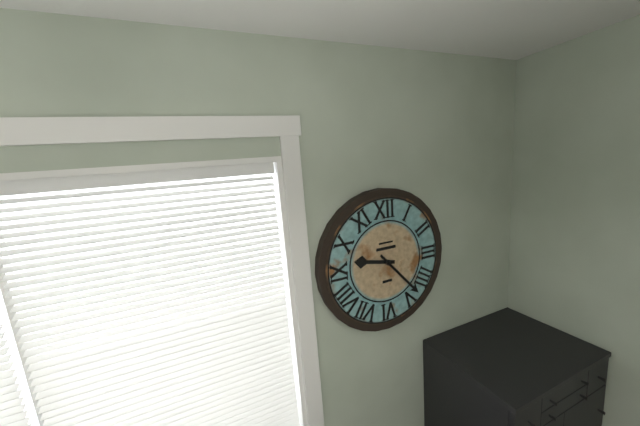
9:23
